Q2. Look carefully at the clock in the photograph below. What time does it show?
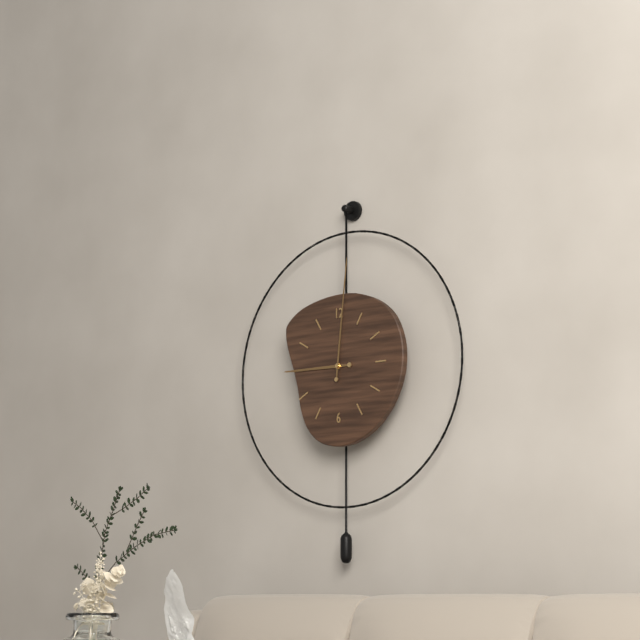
9:01
